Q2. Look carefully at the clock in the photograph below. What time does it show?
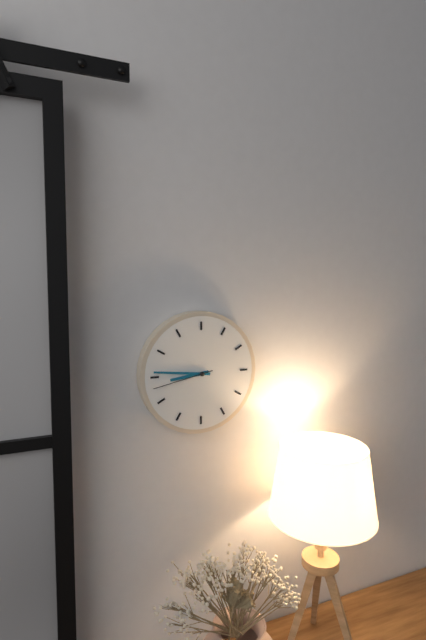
8:46:43
